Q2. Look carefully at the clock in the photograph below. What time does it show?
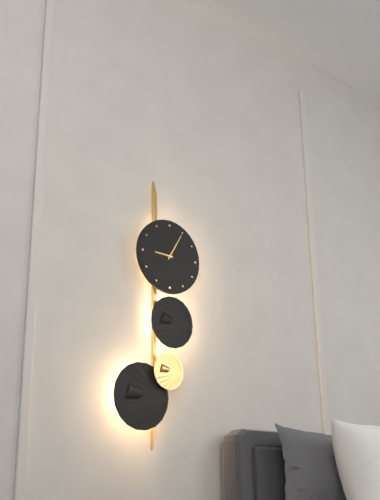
9:05
